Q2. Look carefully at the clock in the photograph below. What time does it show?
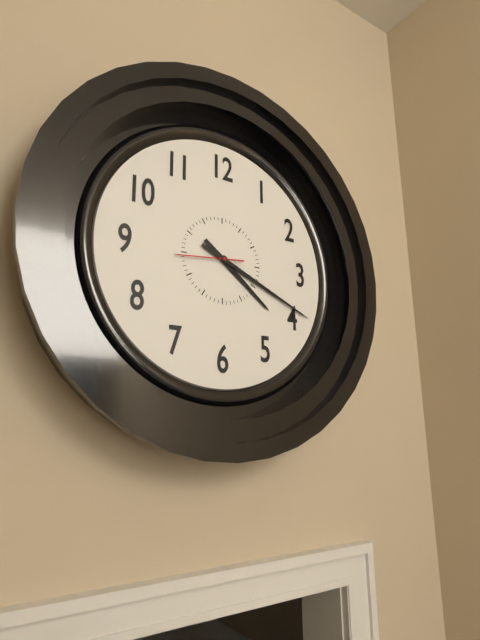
4:19:44
